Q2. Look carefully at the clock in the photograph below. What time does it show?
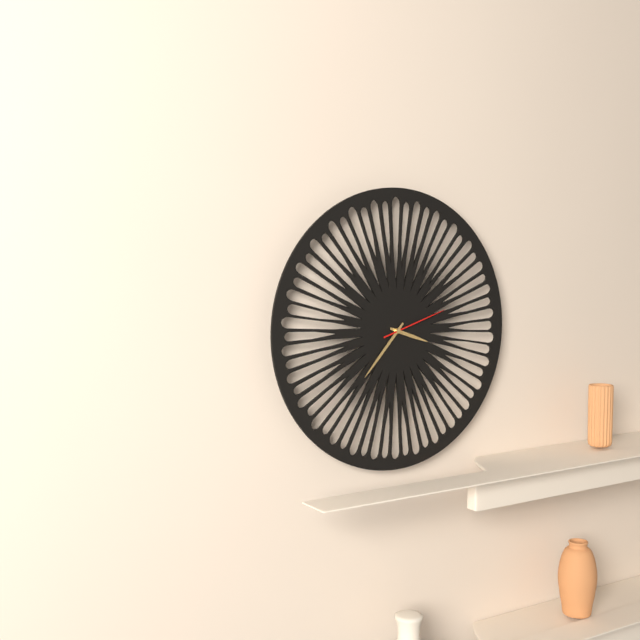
3:37:12
